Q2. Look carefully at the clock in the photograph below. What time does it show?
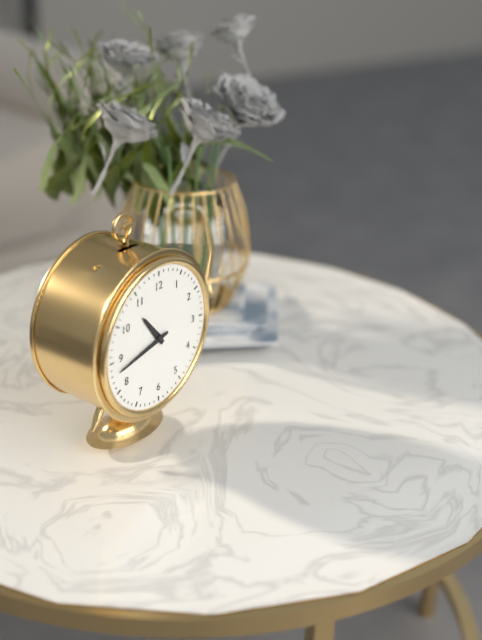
10:43
